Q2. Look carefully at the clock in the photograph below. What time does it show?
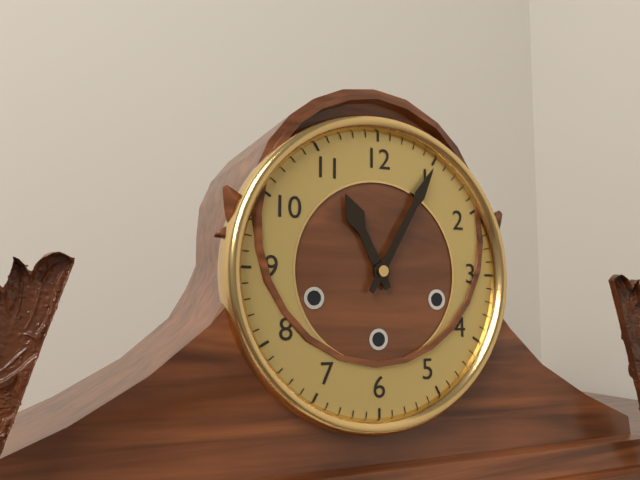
11:05
